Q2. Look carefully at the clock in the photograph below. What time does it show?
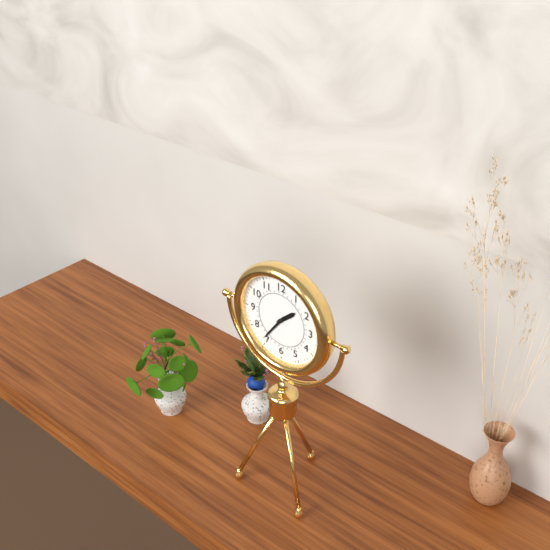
1:36
